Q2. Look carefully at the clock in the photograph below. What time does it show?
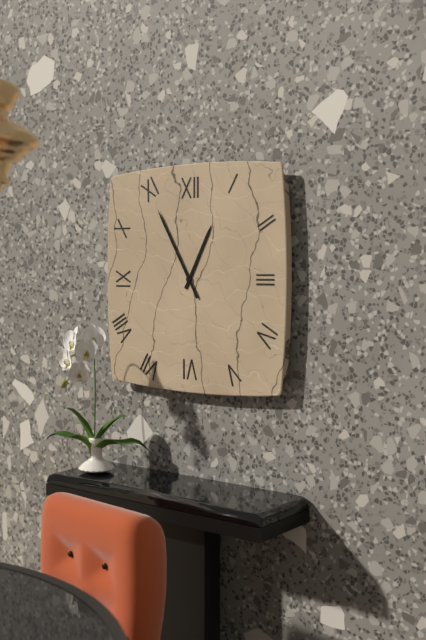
12:55
